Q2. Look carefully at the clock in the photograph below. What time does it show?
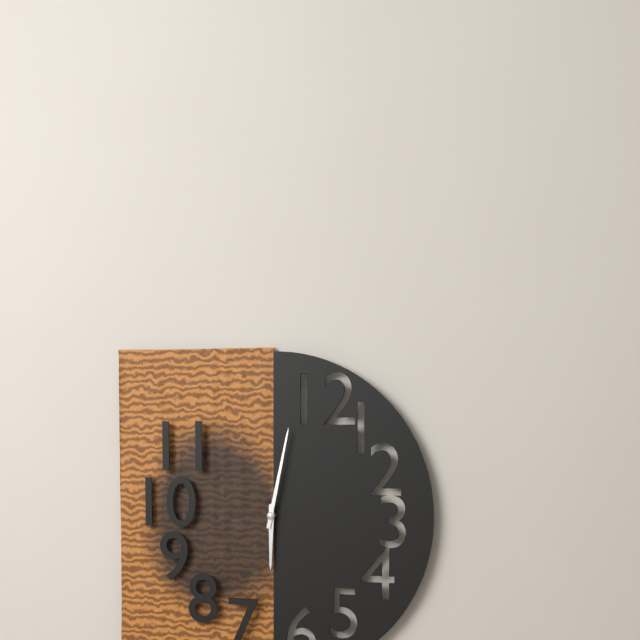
6:02
